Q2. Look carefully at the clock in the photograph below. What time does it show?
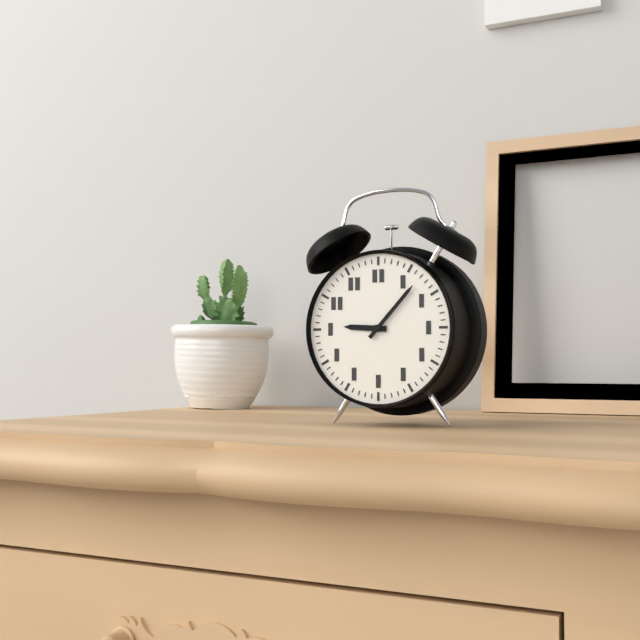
9:07
